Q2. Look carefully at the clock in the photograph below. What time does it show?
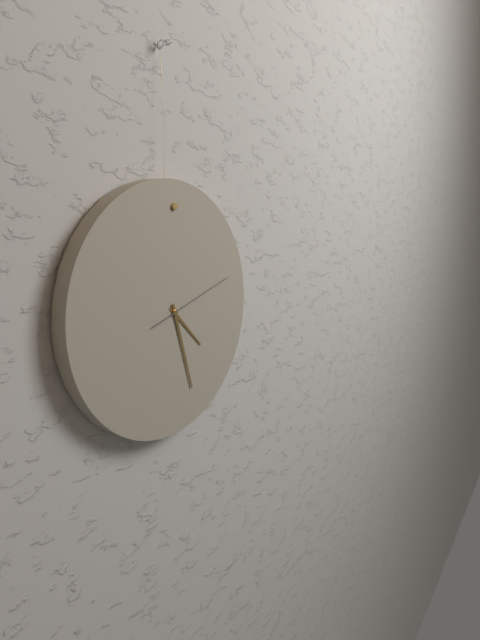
4:27:12
